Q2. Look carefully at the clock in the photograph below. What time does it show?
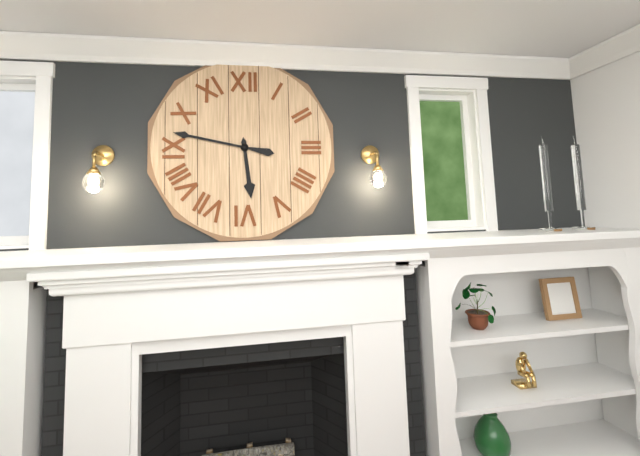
5:47
